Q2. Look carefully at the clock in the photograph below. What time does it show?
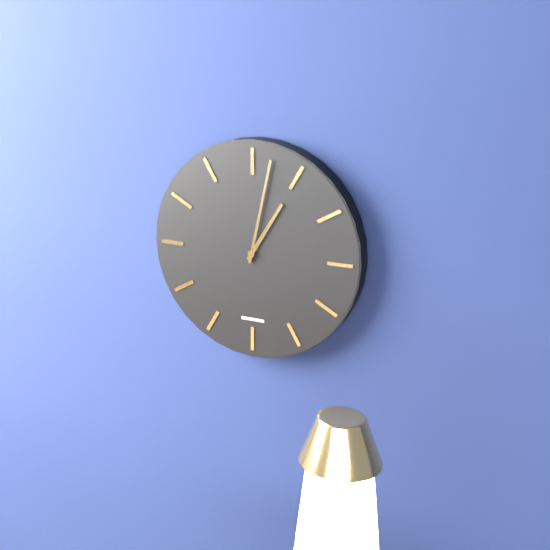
1:02
